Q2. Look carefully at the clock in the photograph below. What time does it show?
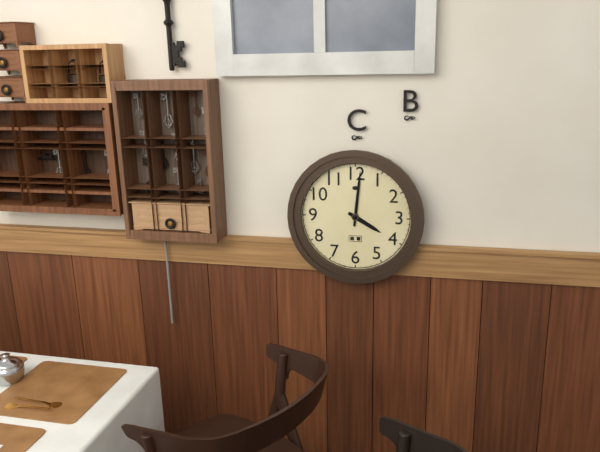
4:01
